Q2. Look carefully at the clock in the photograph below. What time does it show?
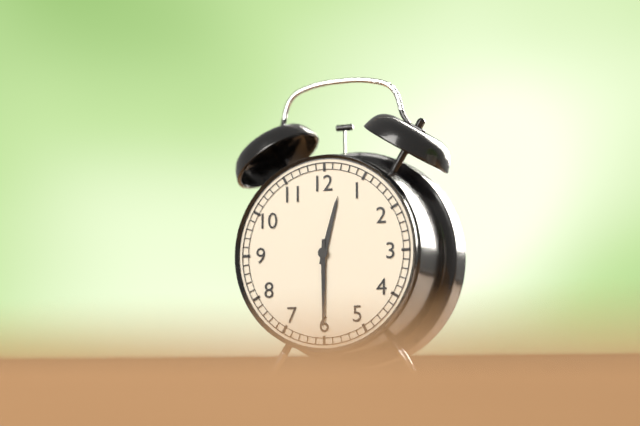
12:30
